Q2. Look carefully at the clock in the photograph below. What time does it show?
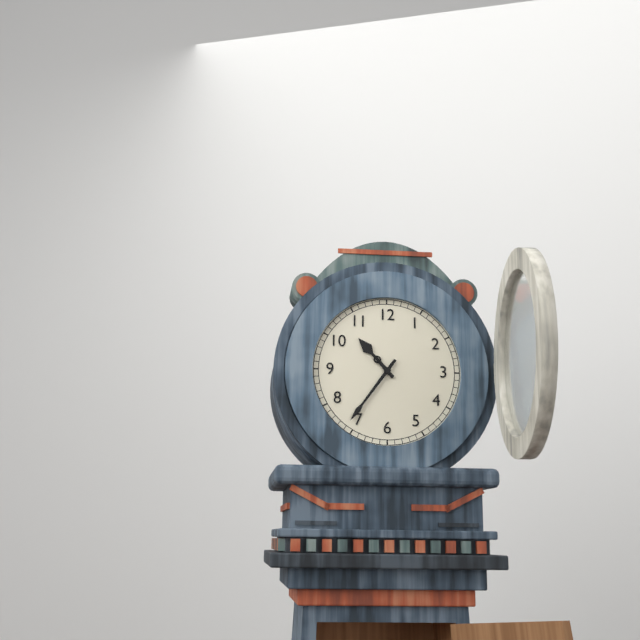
10:36
